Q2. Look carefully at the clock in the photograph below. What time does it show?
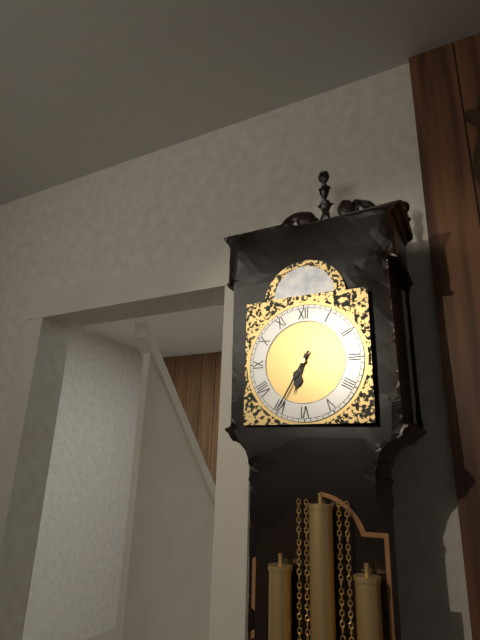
6:35
